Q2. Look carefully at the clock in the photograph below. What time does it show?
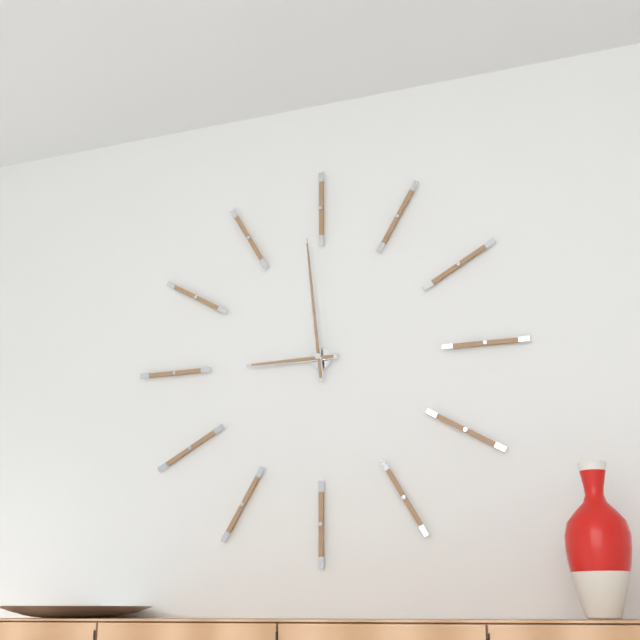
8:59
